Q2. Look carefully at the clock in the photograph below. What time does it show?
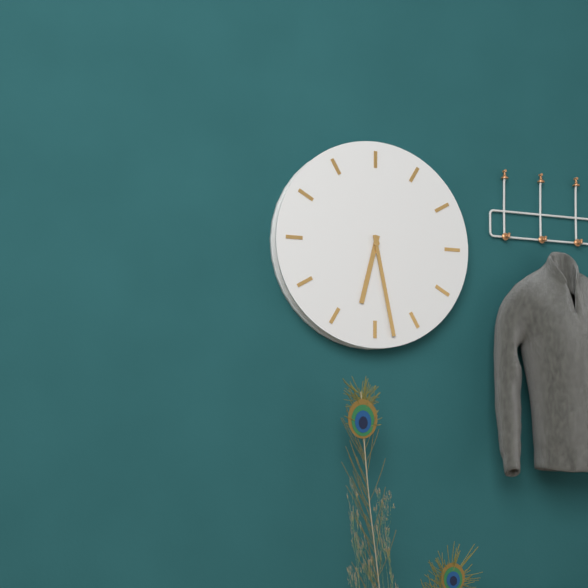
6:28
